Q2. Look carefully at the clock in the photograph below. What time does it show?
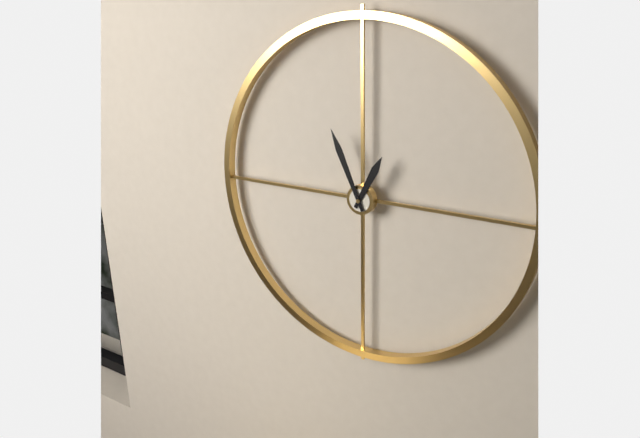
12:56
